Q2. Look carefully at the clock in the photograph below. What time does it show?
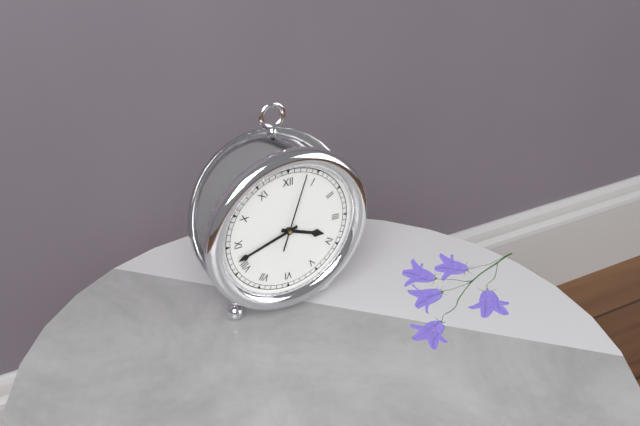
3:42:03
